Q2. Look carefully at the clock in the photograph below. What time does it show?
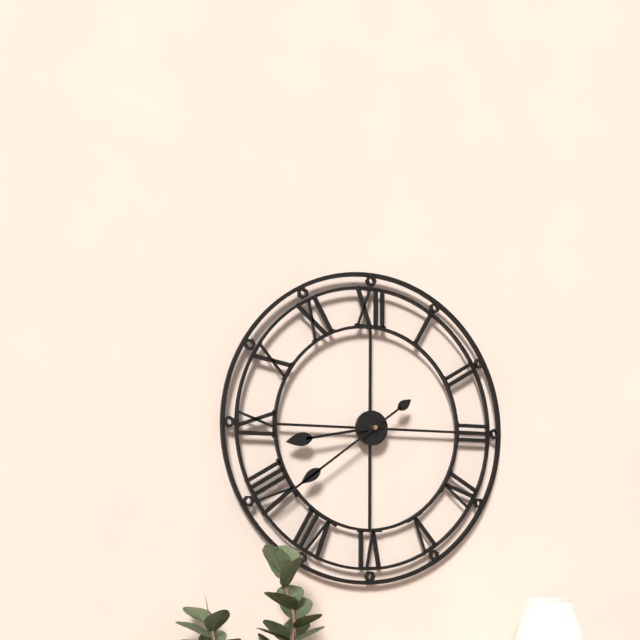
8:39
